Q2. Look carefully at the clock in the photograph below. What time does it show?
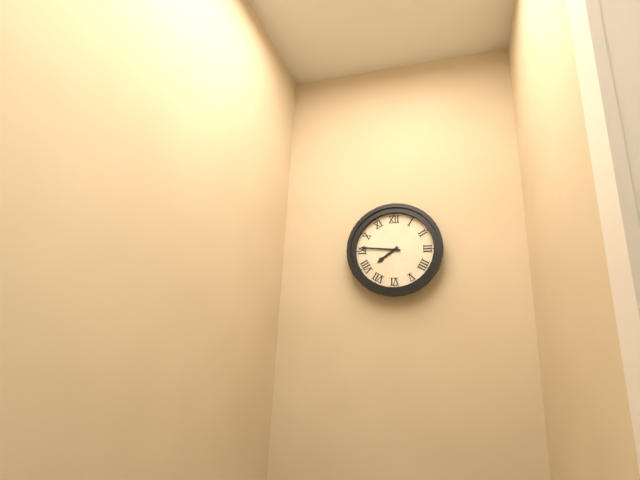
7:46
